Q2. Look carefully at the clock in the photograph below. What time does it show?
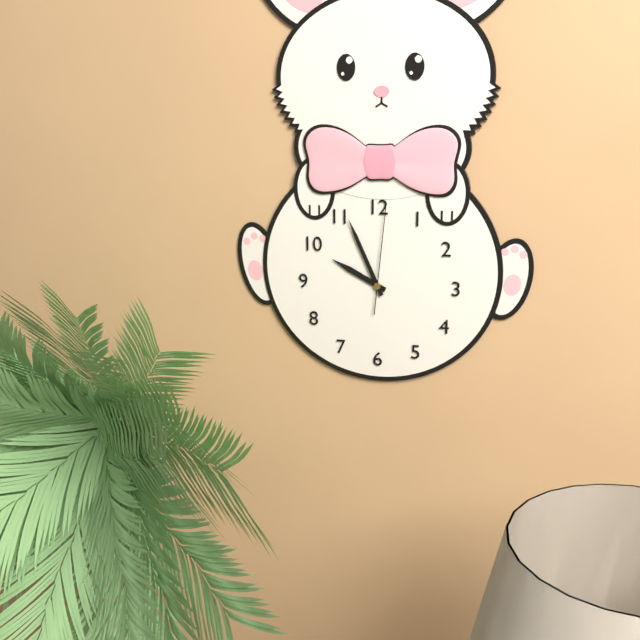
9:56:01
